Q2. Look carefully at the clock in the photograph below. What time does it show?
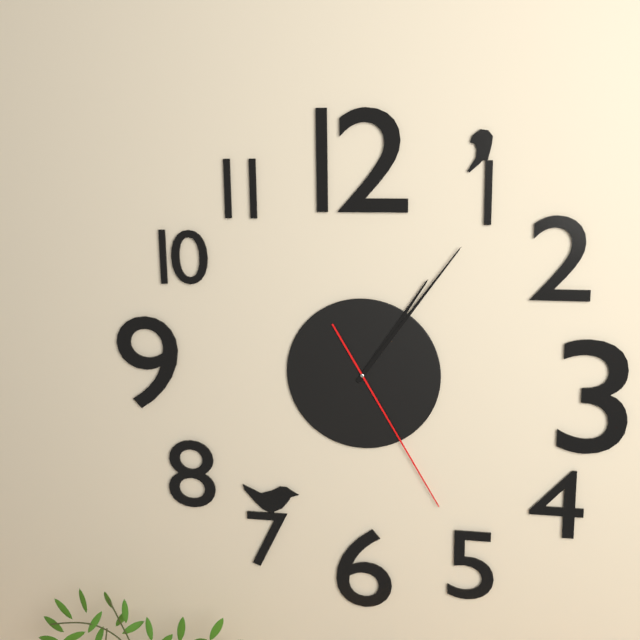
1:06:25
